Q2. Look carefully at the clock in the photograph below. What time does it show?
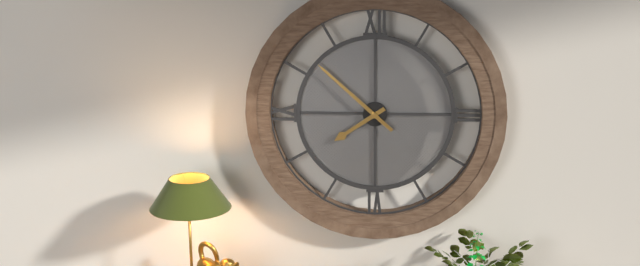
7:52
